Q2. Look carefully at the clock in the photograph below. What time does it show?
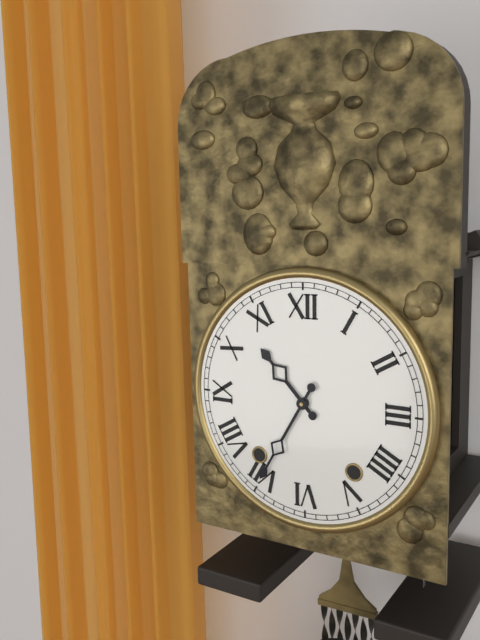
10:35
